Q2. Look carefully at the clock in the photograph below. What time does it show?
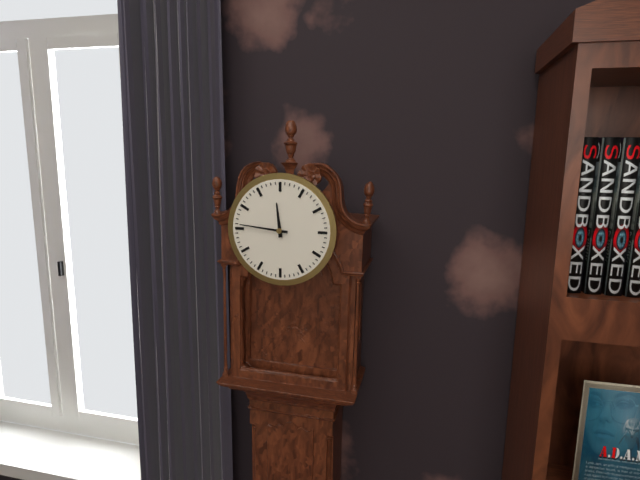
11:46
